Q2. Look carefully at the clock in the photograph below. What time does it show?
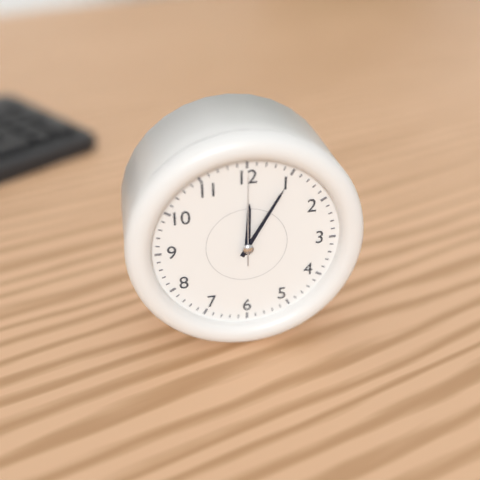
12:05:00
